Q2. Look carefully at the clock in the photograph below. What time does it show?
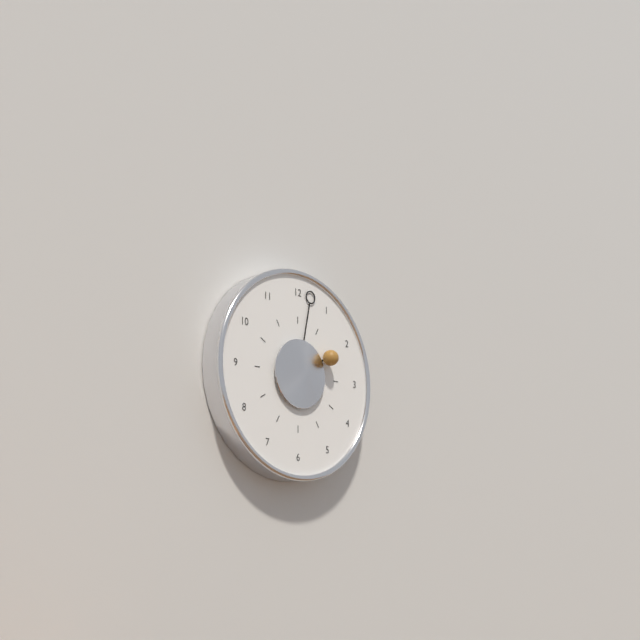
2:02
